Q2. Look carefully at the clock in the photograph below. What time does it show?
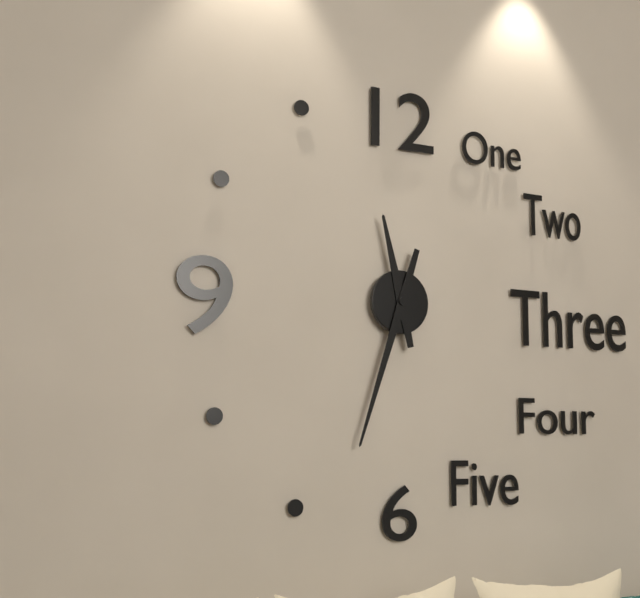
11:33
